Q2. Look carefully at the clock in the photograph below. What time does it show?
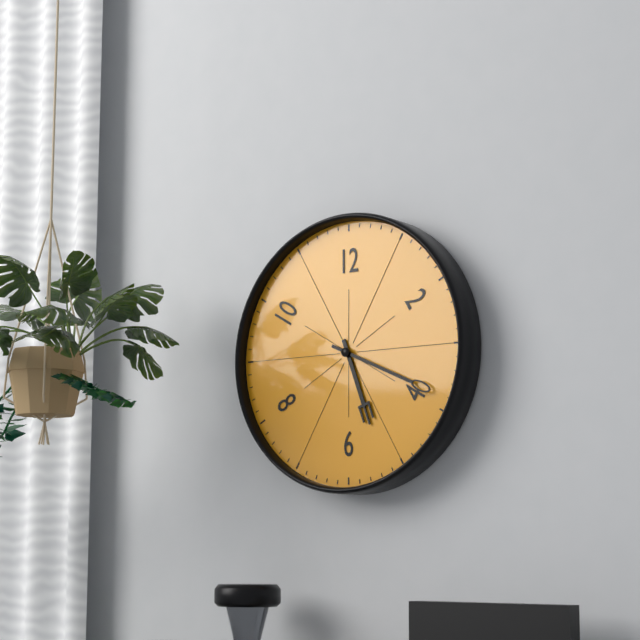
5:19
